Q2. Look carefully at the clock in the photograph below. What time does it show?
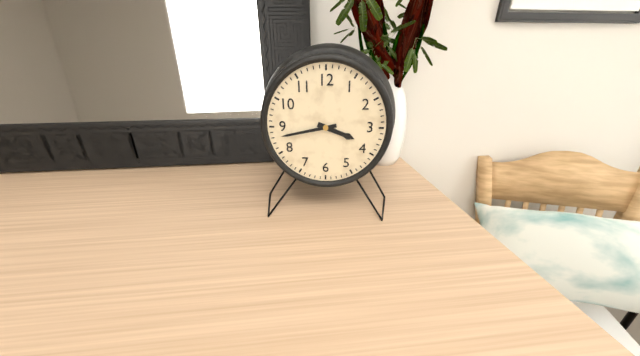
3:43
